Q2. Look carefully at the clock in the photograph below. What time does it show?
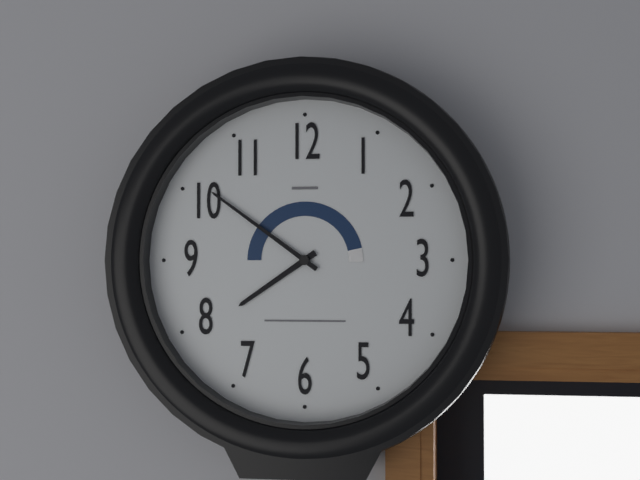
7:51
